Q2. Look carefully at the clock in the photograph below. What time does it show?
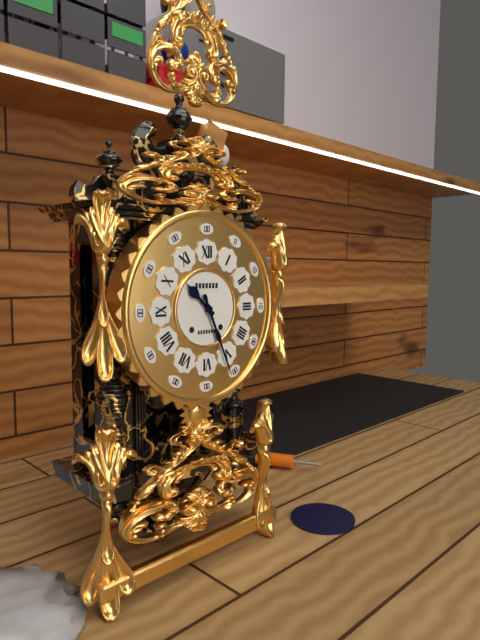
10:26
